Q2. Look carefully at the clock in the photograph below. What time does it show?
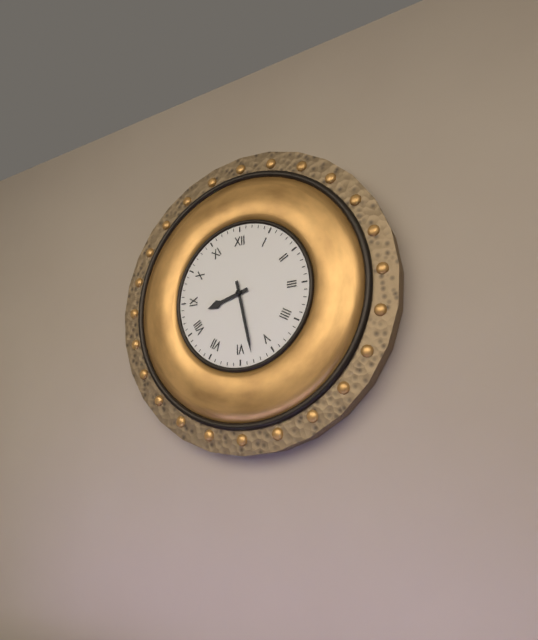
8:28
